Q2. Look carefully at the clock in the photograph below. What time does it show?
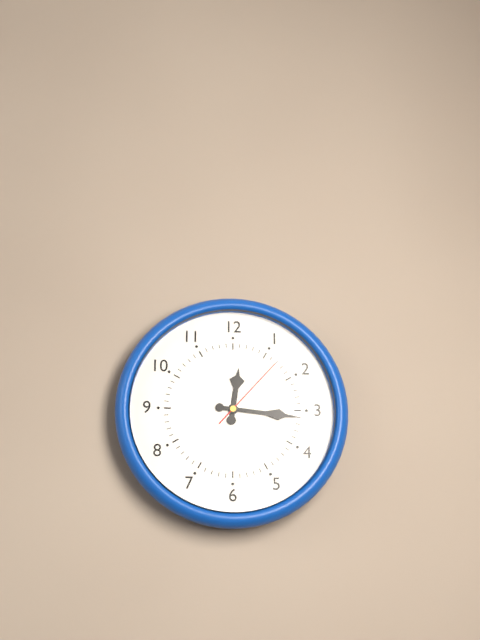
12:16:07
